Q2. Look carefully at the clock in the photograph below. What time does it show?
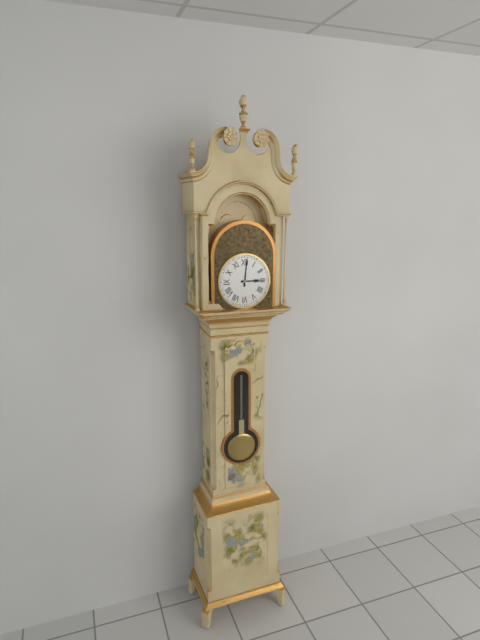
3:01
